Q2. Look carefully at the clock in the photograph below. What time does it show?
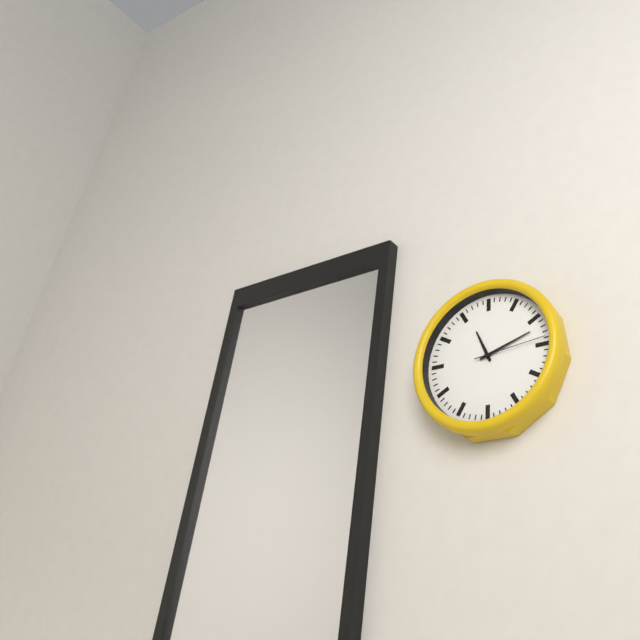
11:12:14
